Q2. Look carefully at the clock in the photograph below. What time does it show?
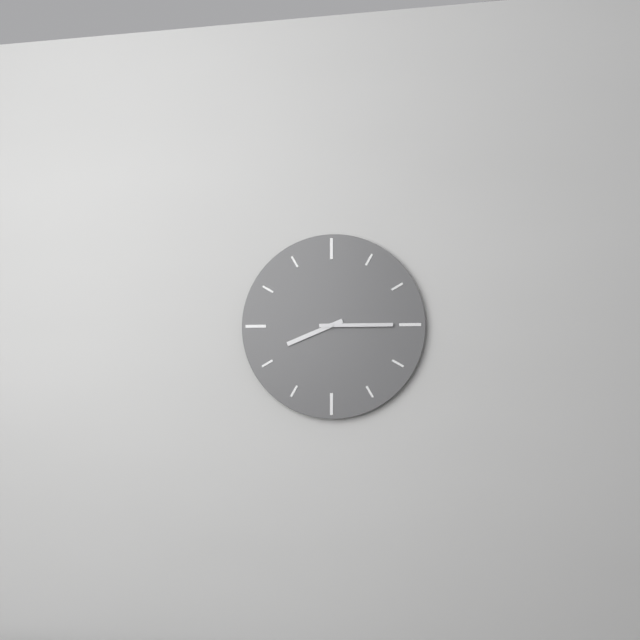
8:15
